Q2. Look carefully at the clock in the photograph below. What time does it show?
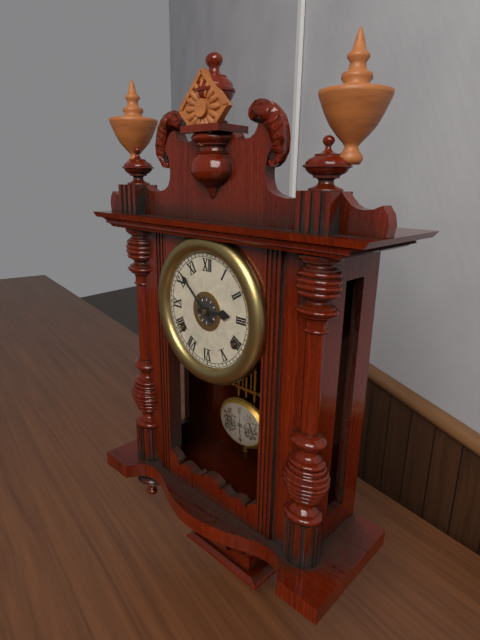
2:52
